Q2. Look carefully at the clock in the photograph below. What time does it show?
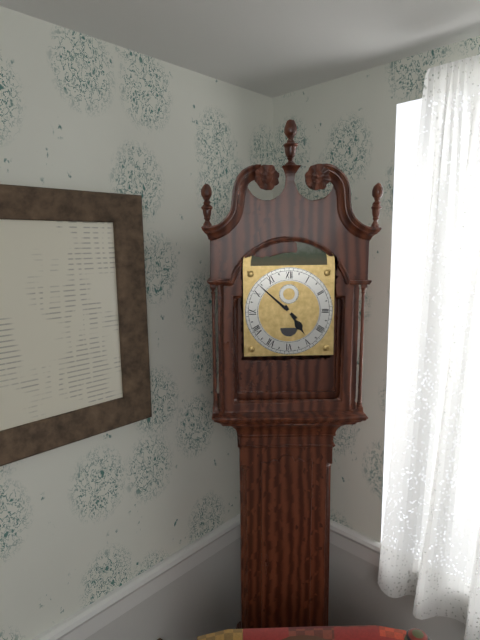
4:52
